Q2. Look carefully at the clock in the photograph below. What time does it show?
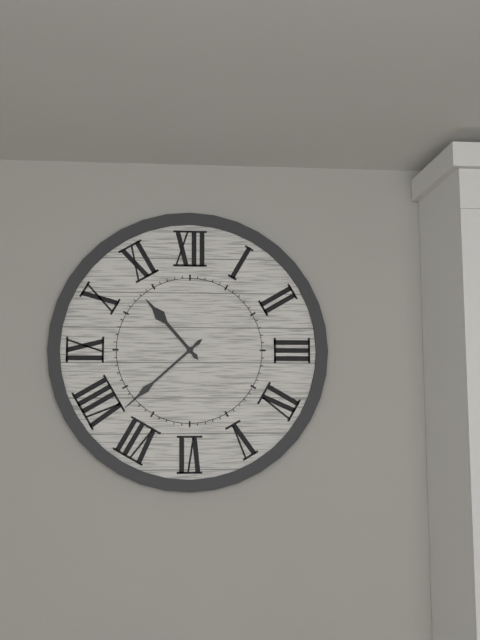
10:38
